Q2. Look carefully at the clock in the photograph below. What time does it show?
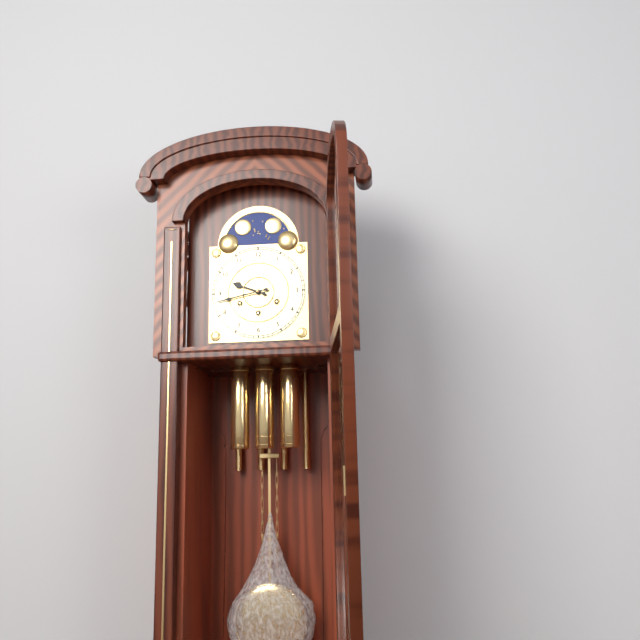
9:43
